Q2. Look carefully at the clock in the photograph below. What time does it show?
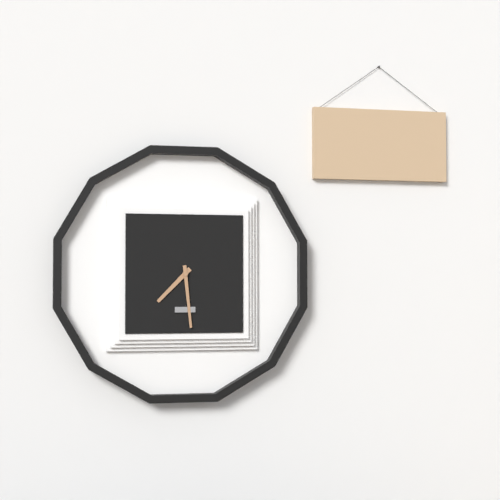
7:29
